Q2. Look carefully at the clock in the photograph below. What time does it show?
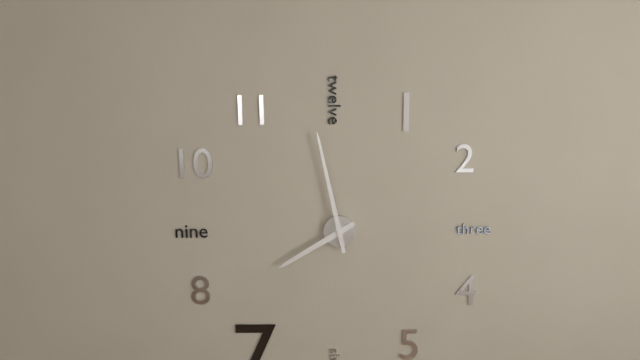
7:58
